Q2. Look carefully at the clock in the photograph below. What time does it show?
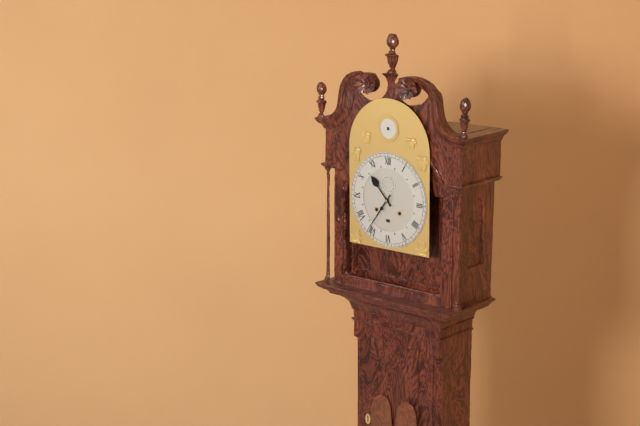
10:36
